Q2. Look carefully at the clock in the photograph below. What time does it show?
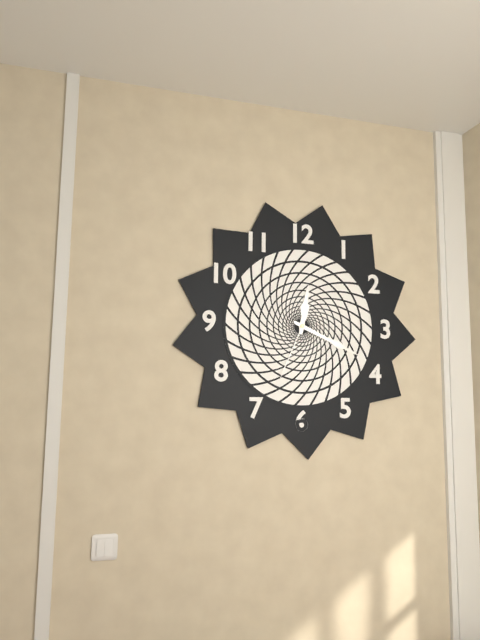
12:19:34
